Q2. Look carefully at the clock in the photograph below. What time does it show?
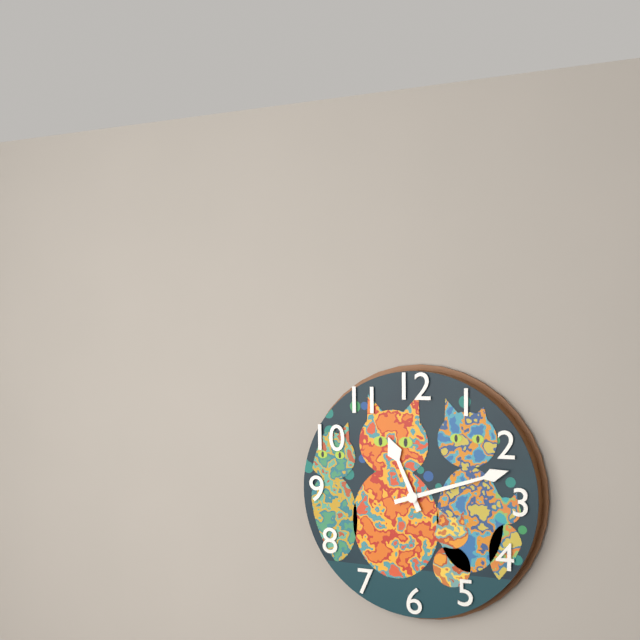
11:12
